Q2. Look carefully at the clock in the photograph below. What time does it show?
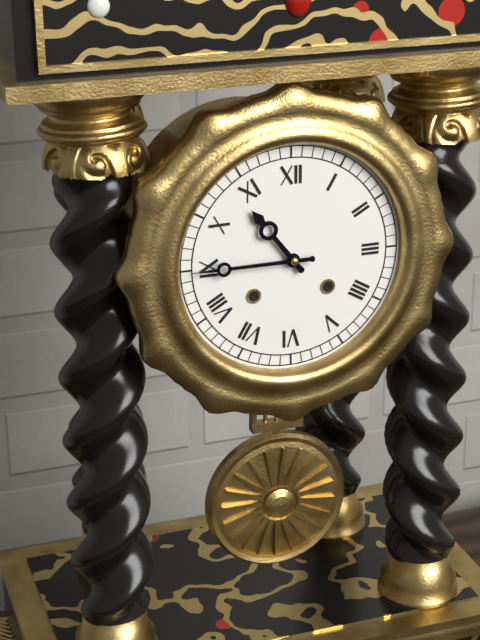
10:45
